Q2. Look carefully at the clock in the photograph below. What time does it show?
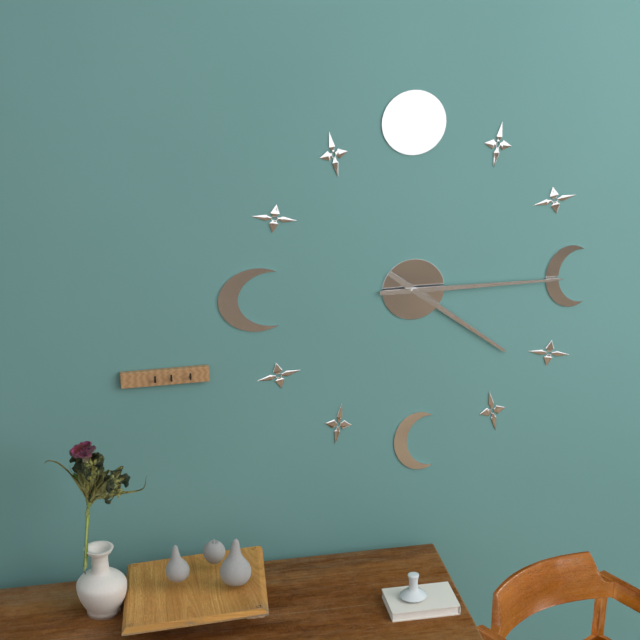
4:15
